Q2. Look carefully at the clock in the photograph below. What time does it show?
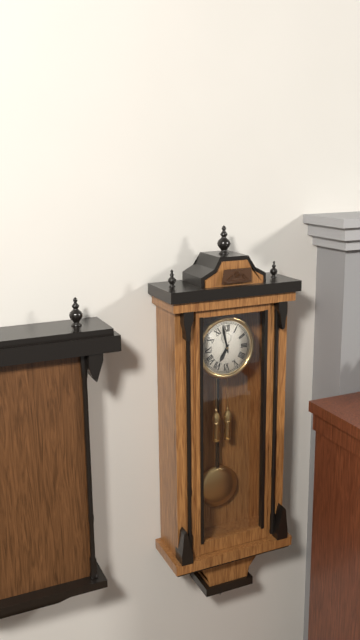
6:58
